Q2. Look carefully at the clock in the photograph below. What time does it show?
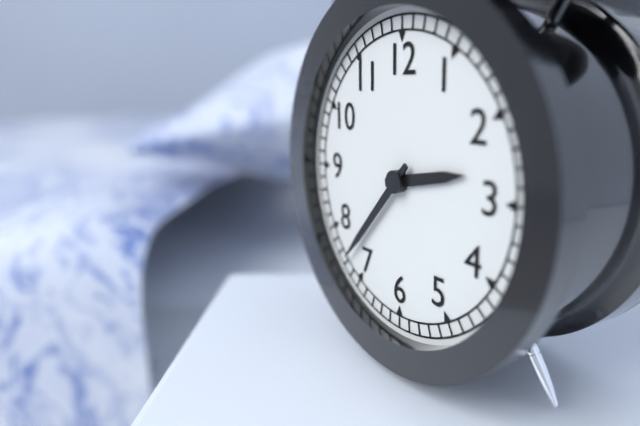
2:37
